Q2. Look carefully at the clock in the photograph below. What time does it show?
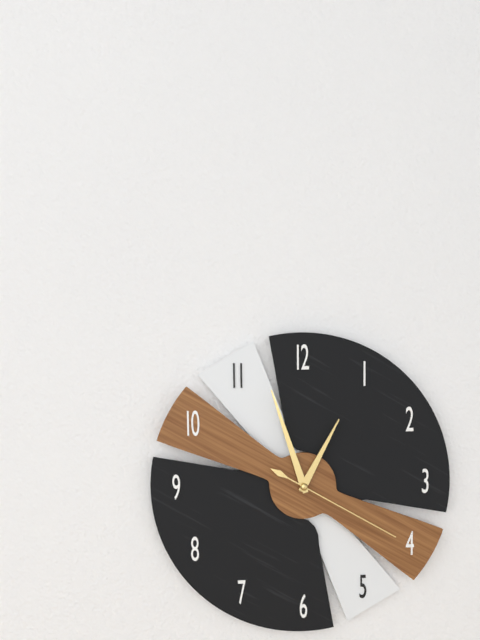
12:57:20
